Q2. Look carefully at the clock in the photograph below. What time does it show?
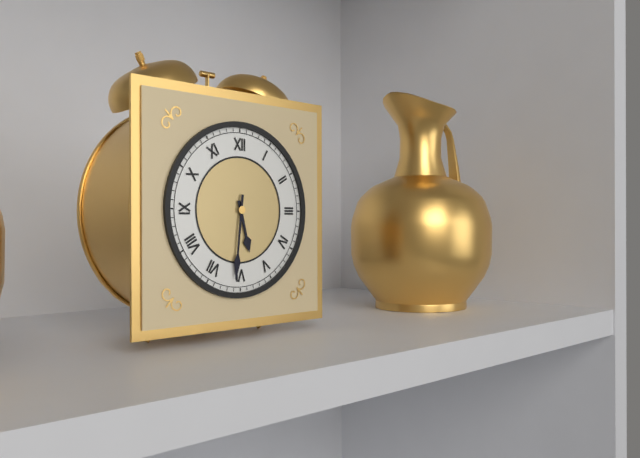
5:31
